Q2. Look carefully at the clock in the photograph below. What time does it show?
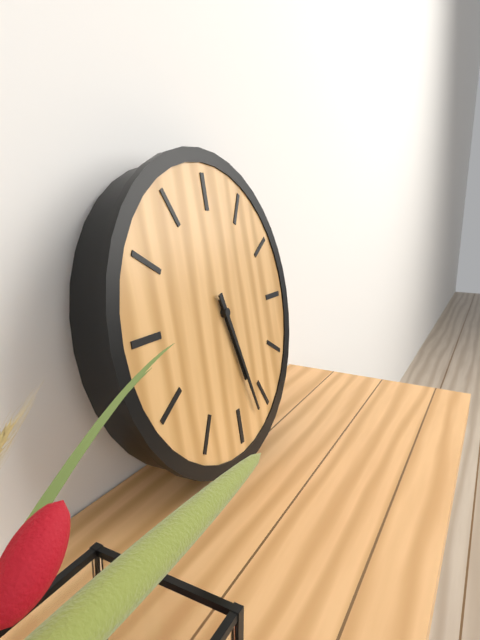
5:27
